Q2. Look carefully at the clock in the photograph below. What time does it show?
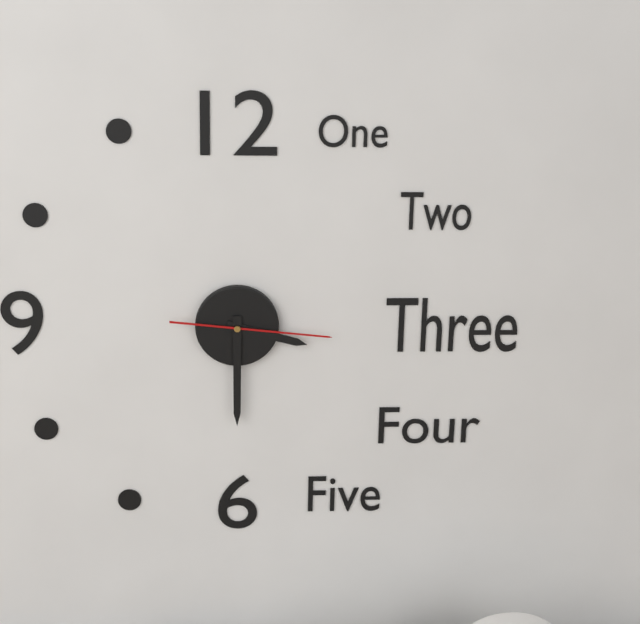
3:30:16
